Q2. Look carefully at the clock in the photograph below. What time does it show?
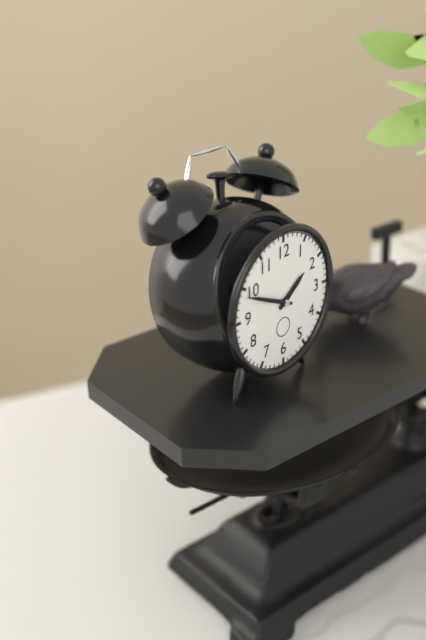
1:49
